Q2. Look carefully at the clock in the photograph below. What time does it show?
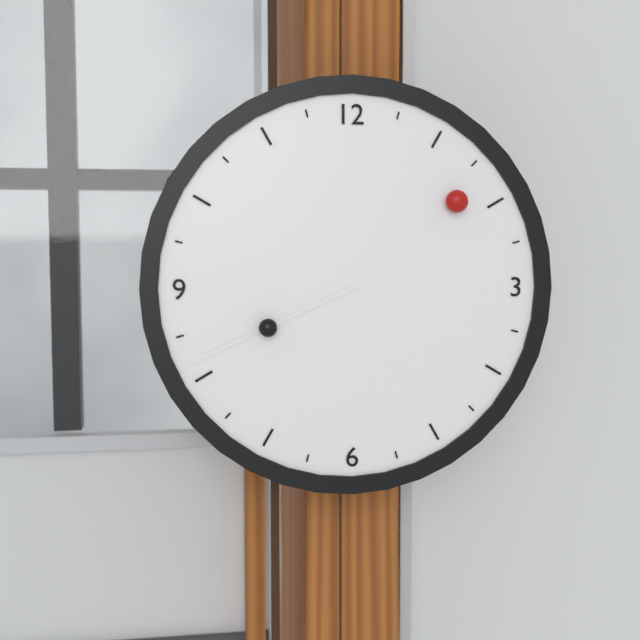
1:41
